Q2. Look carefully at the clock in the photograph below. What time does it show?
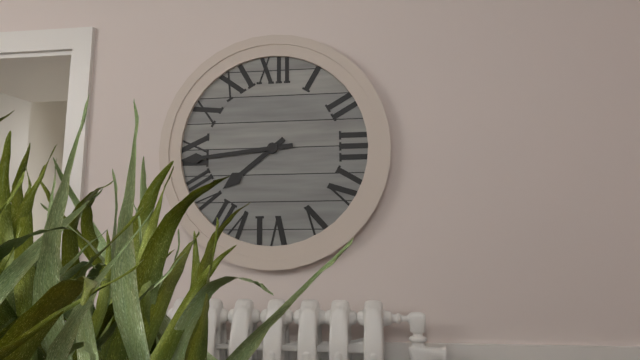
7:44
